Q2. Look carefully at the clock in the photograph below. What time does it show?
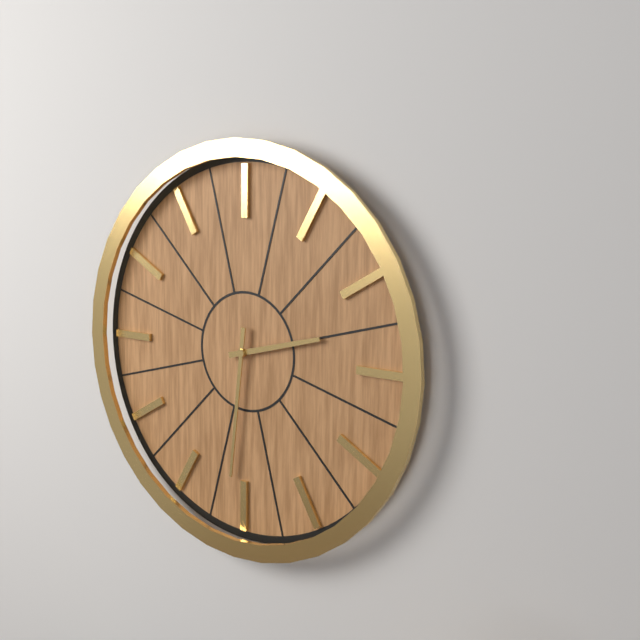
2:31
